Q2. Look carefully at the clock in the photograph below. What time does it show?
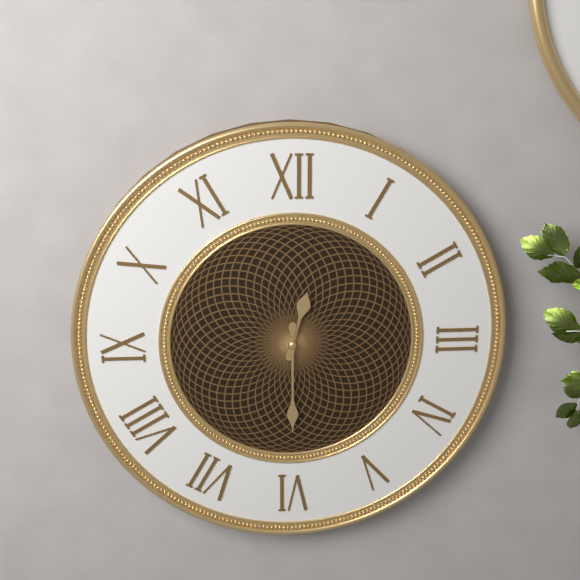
12:30
